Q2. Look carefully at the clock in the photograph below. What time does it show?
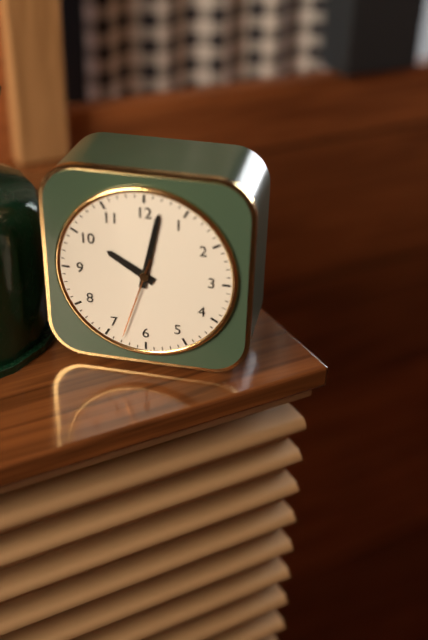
10:02:33
